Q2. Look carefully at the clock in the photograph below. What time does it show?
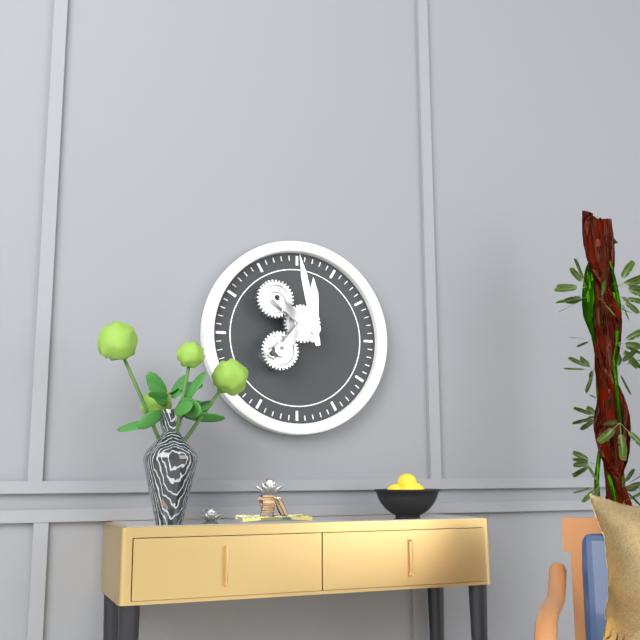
11:58
